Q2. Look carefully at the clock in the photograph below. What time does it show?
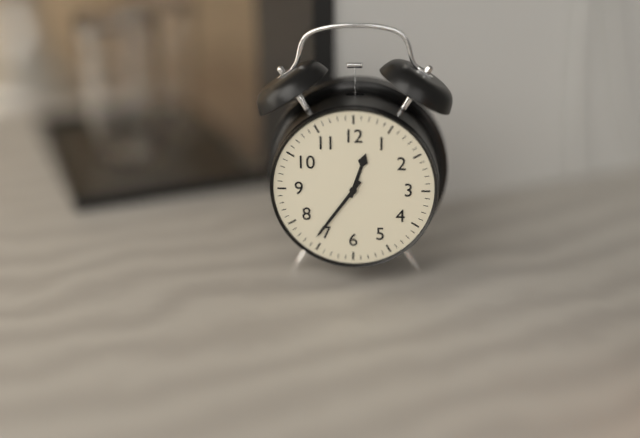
12:36
